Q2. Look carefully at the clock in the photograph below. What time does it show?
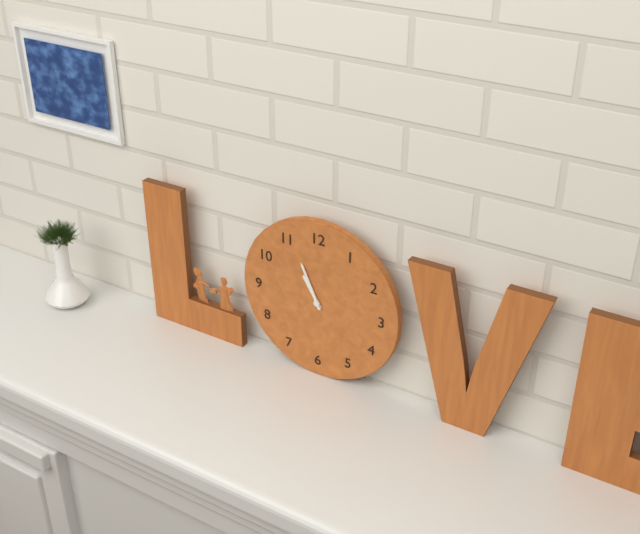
10:56
